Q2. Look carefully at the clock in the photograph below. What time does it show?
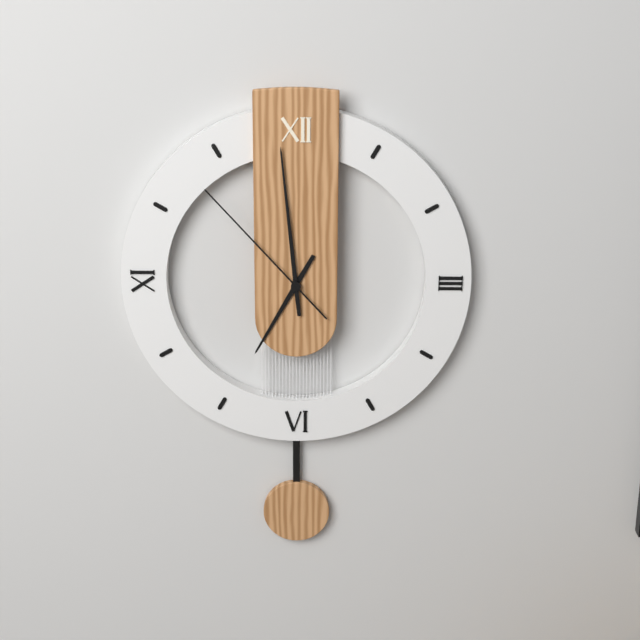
6:59:53
